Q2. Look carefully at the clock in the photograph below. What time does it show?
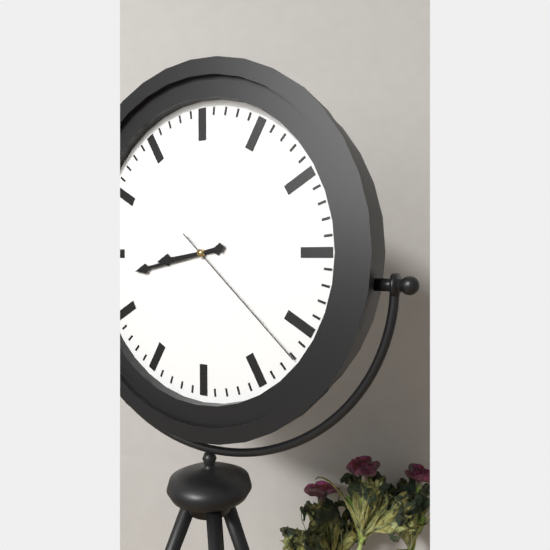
8:43:22
